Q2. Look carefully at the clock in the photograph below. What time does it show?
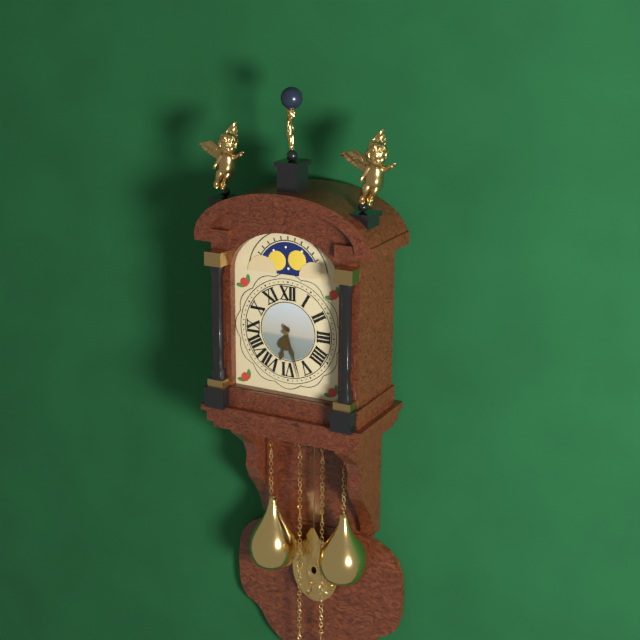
6:27
